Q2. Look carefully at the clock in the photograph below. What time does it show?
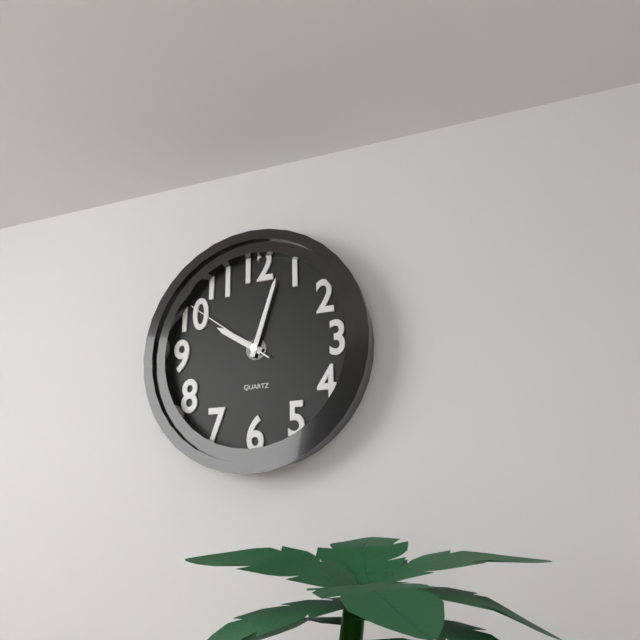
10:03:51
